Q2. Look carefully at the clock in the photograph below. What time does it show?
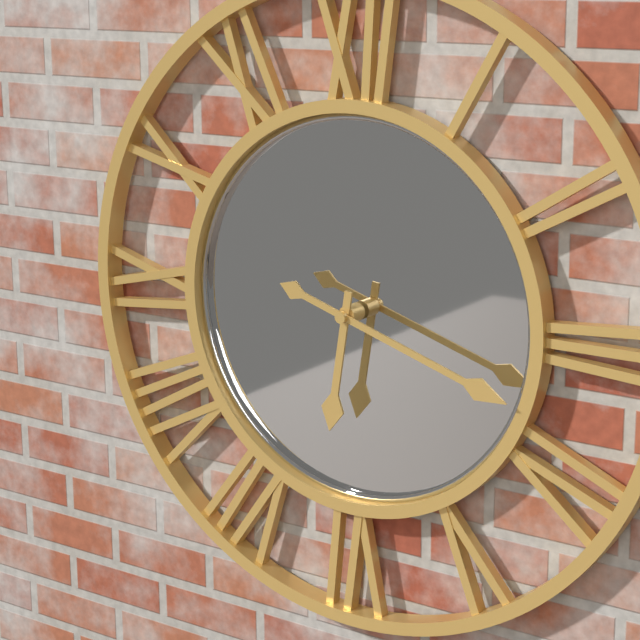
6:18
